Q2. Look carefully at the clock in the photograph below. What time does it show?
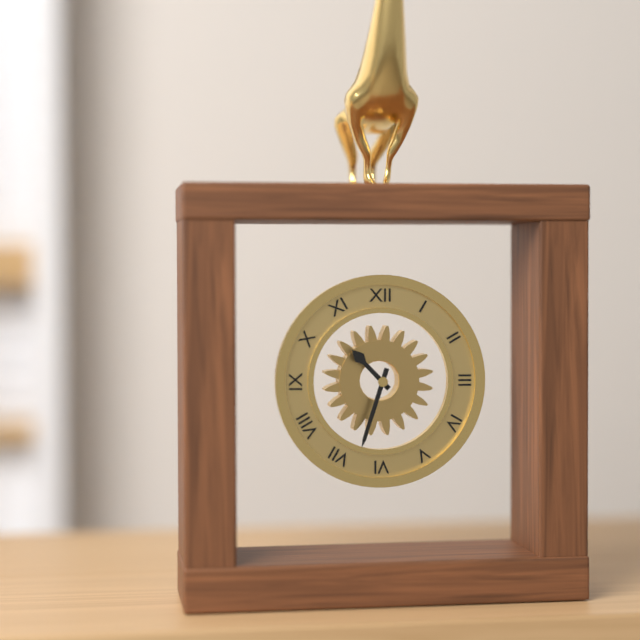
10:33
